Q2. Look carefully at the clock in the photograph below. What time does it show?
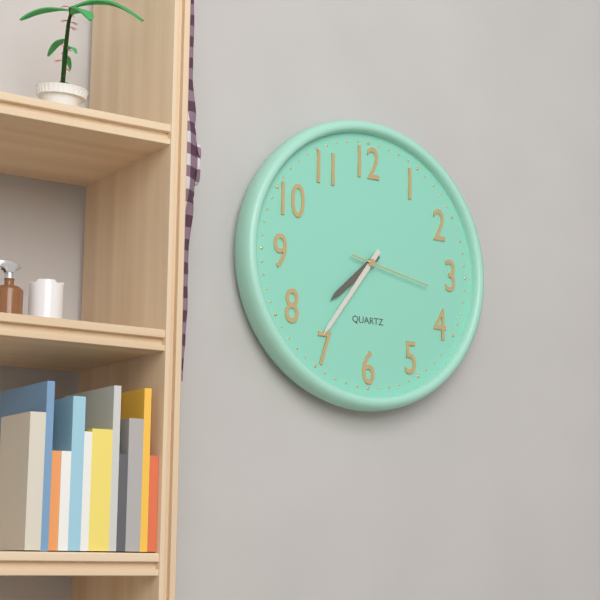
7:36:17
